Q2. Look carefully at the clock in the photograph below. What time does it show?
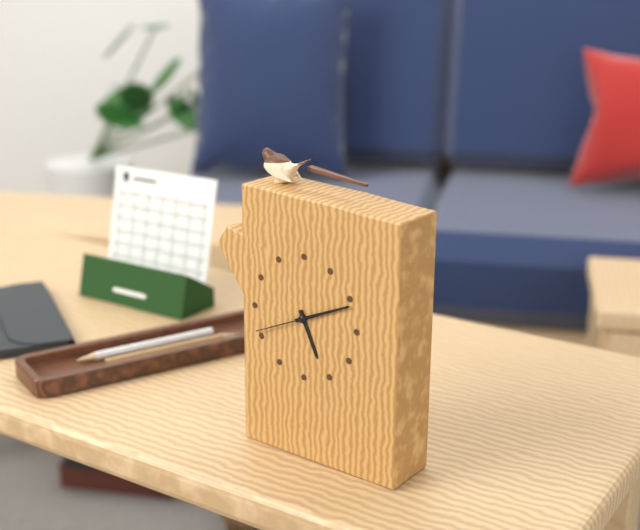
5:11:41
